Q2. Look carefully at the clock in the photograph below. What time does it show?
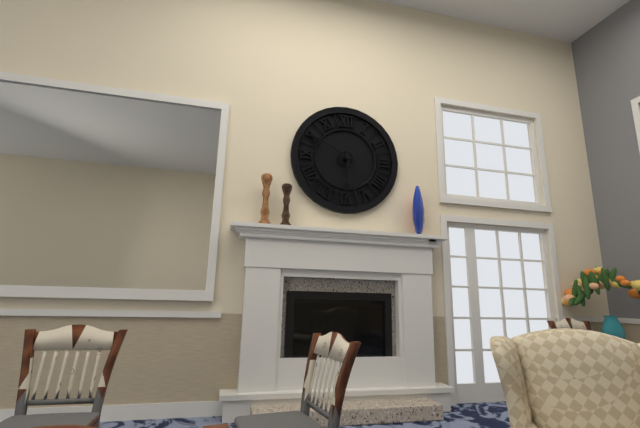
5:50
